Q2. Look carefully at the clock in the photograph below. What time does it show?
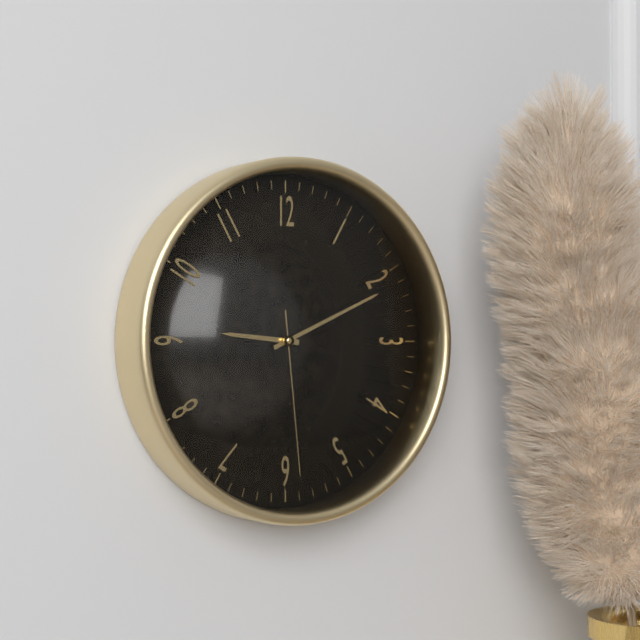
9:11:29
